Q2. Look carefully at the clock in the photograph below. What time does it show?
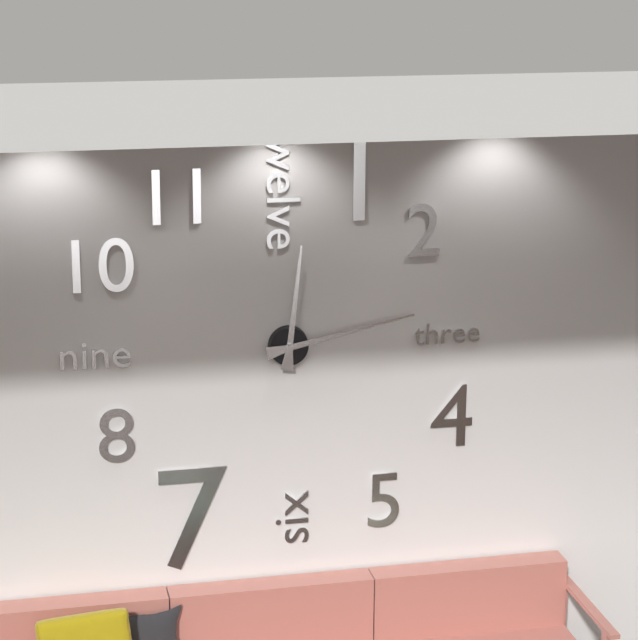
12:13
